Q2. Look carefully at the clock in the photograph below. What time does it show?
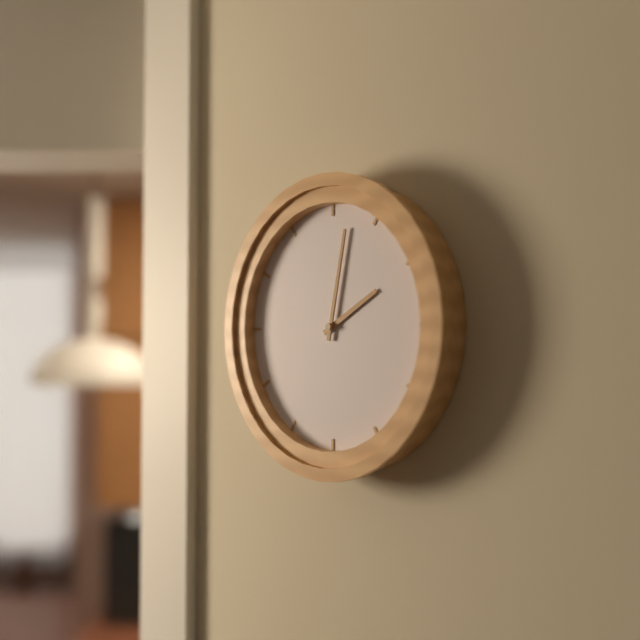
2:02
